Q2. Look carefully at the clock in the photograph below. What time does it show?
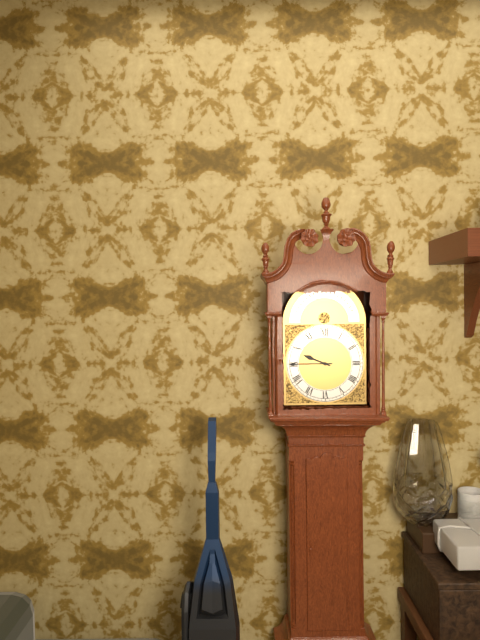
9:45
